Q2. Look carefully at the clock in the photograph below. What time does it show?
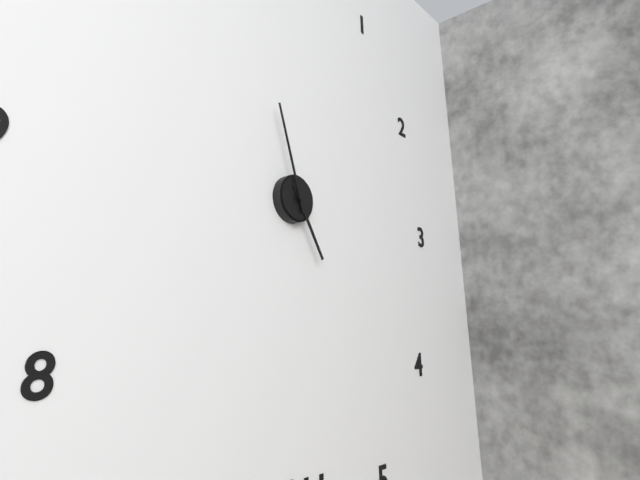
4:57
